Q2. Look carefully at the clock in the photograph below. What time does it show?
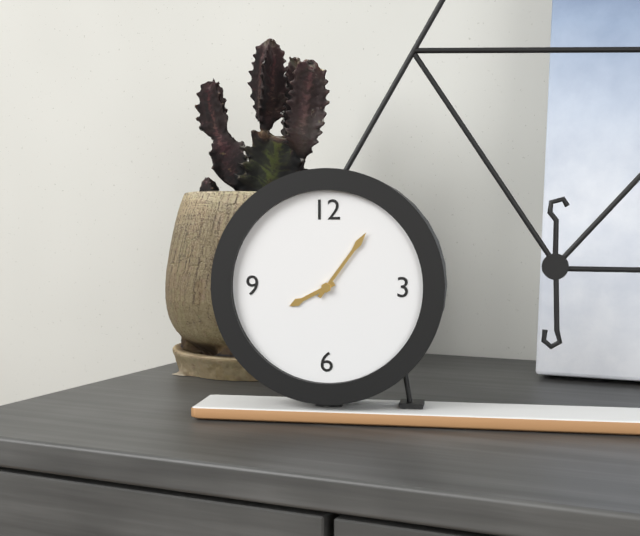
8:06
